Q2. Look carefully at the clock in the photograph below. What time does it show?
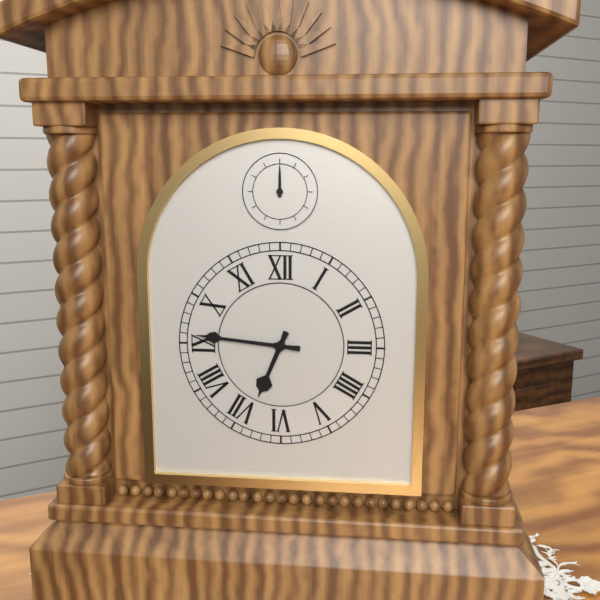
6:46
